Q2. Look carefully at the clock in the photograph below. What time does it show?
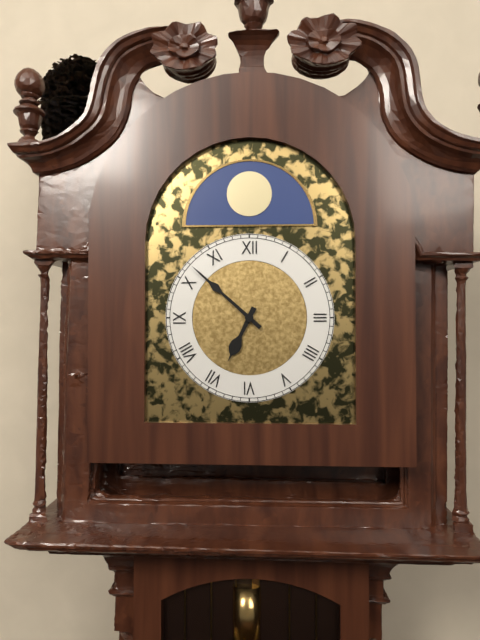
6:52
